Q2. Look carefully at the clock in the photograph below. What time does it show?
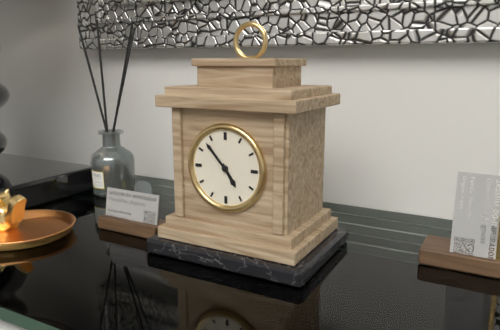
4:53
